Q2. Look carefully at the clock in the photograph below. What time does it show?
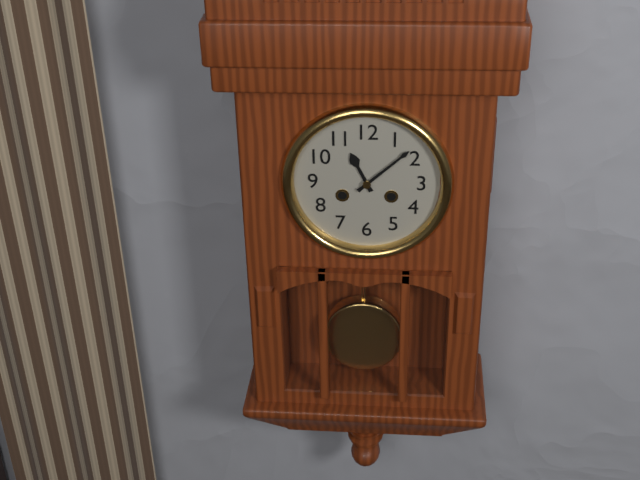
11:08
